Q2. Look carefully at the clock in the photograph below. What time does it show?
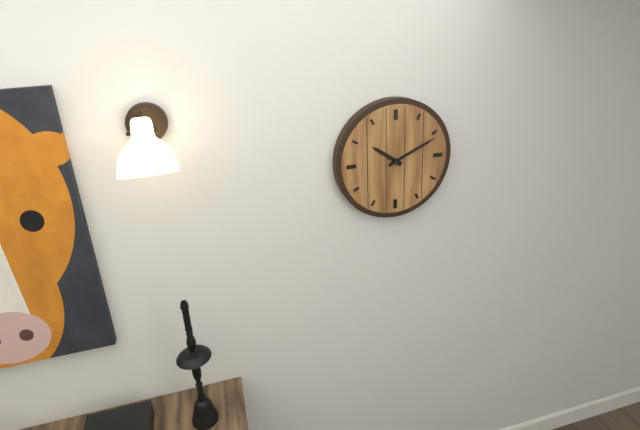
10:11
